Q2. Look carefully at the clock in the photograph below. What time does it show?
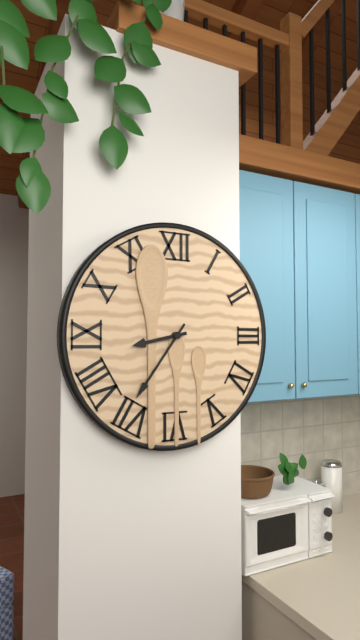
8:36
